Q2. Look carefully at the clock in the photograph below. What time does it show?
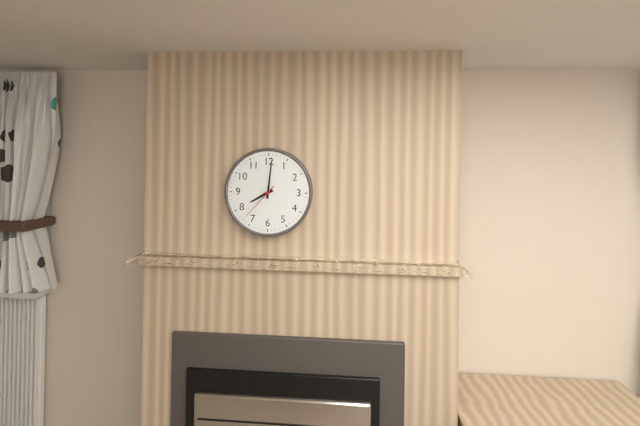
8:01
